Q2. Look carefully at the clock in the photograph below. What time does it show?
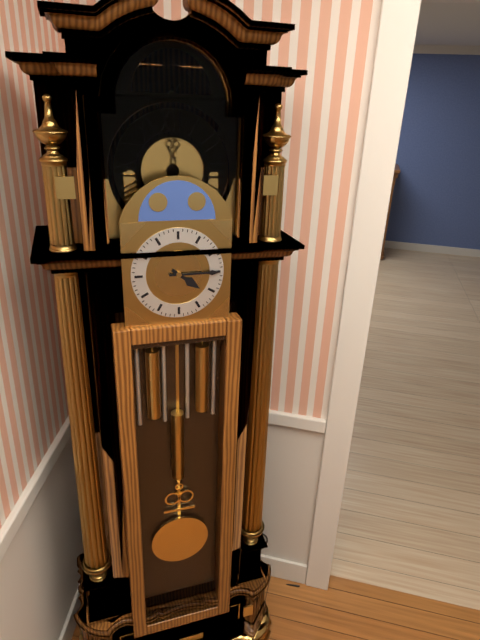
4:15
